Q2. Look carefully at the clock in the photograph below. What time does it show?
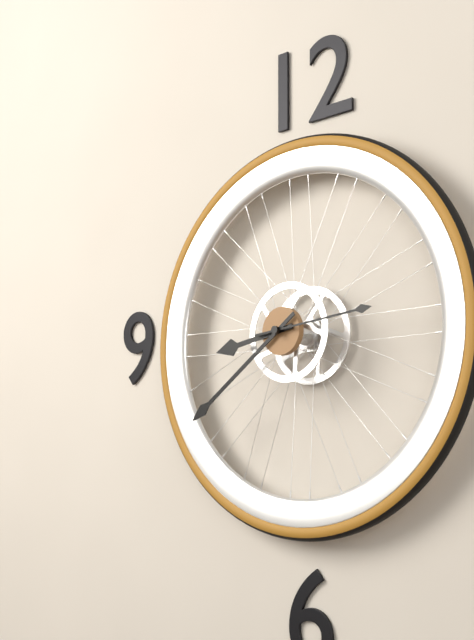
8:39:14
